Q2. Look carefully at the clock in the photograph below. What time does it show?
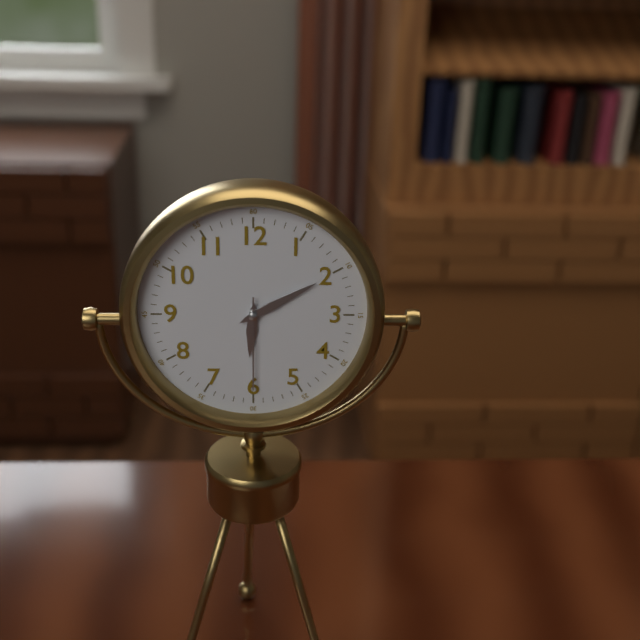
6:10:30
